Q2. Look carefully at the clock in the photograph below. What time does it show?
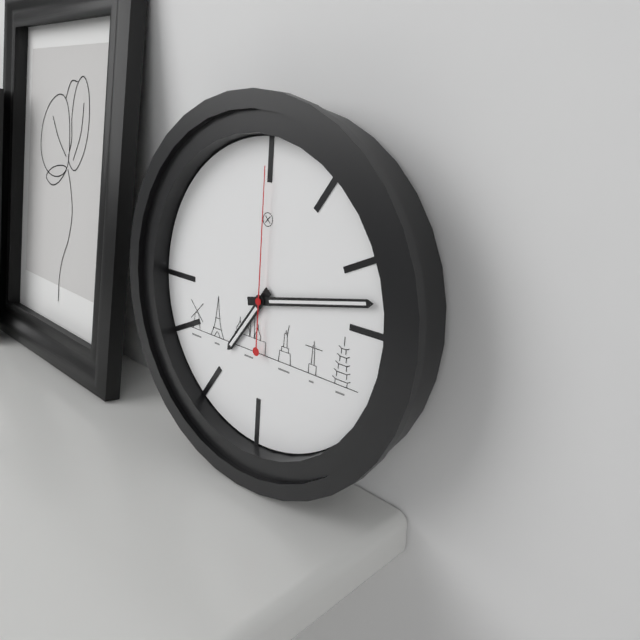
7:13:00
